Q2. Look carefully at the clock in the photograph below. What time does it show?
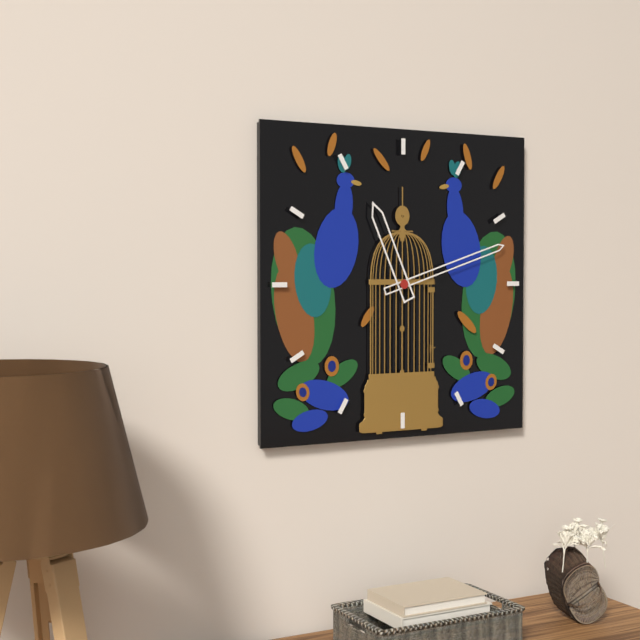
11:12
